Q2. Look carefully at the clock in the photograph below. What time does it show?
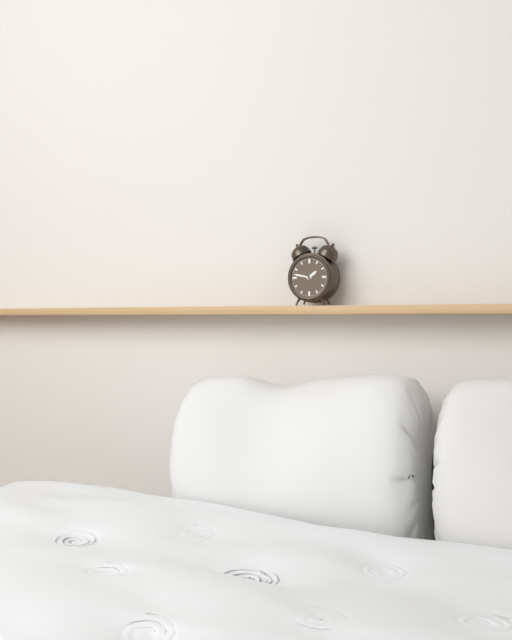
1:47
